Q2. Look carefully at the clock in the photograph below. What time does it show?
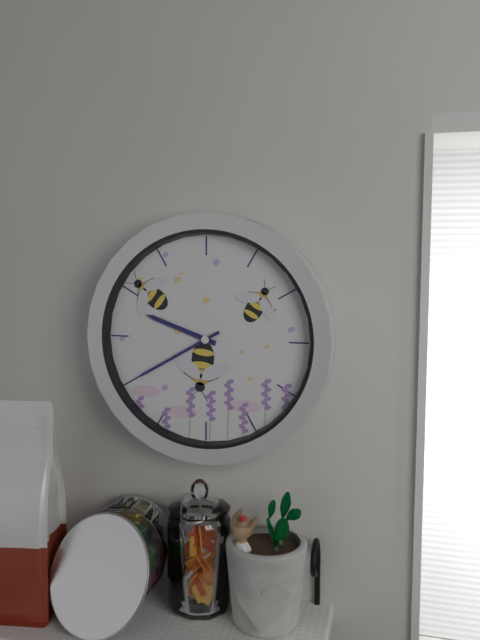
9:40
